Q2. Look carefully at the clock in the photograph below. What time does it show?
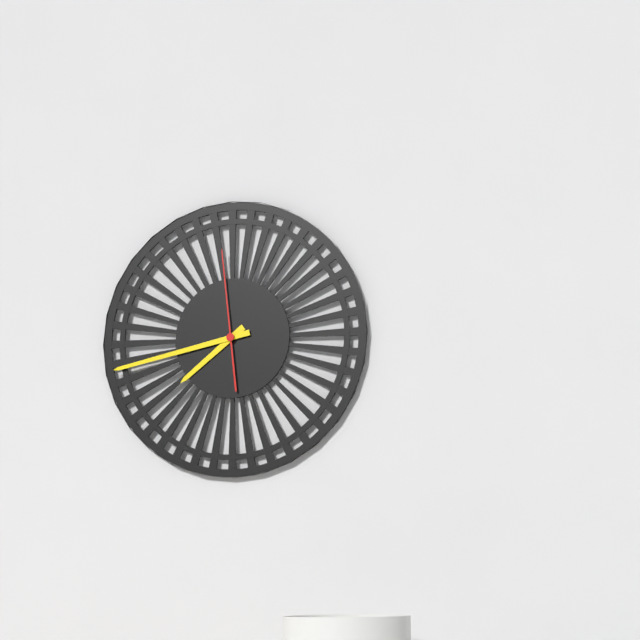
7:43:59
